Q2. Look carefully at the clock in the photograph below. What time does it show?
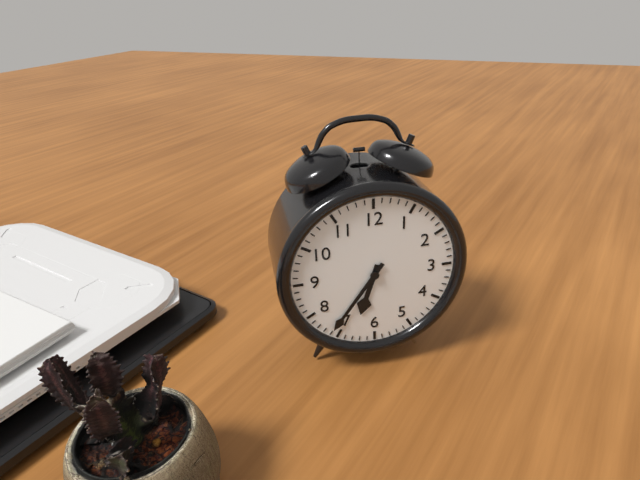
6:36
